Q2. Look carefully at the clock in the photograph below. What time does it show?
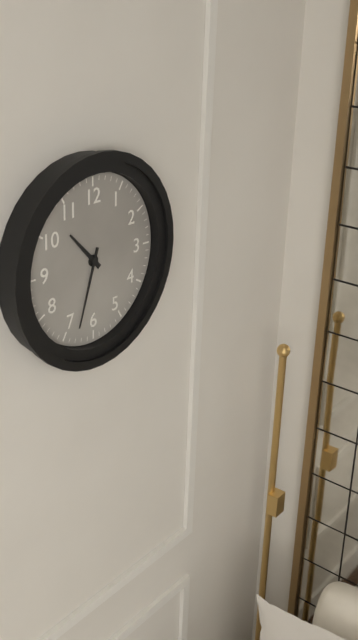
10:33
